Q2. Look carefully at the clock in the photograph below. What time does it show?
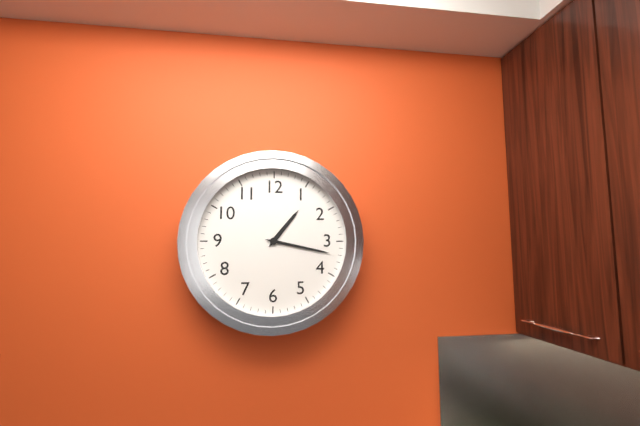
1:17
